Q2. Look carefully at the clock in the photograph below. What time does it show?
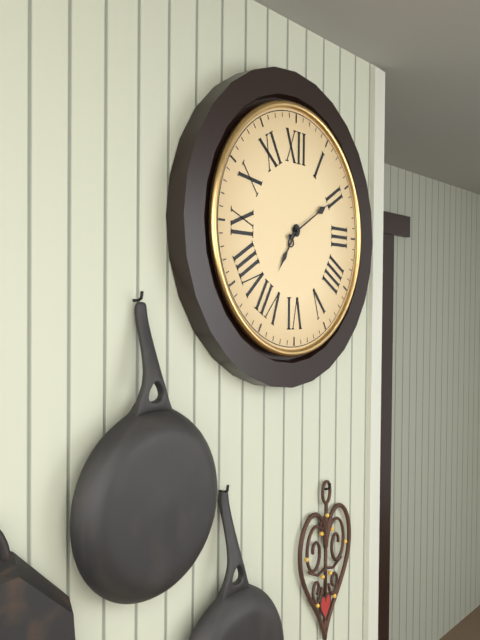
7:10
